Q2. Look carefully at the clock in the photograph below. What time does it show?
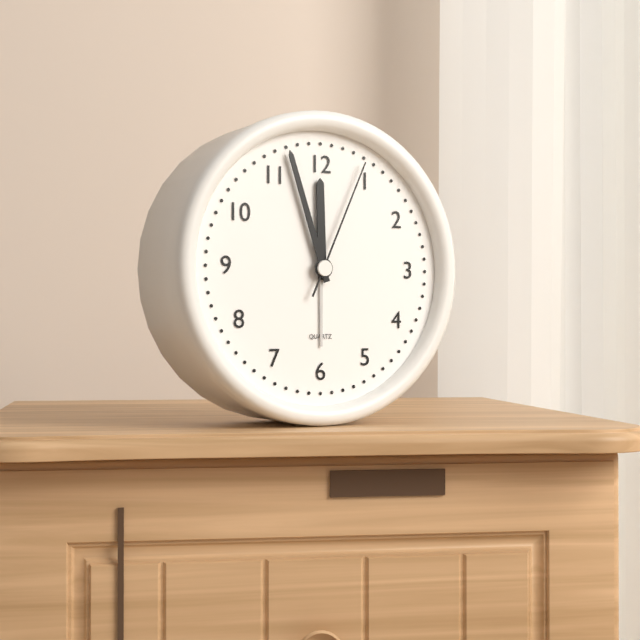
11:57:04
